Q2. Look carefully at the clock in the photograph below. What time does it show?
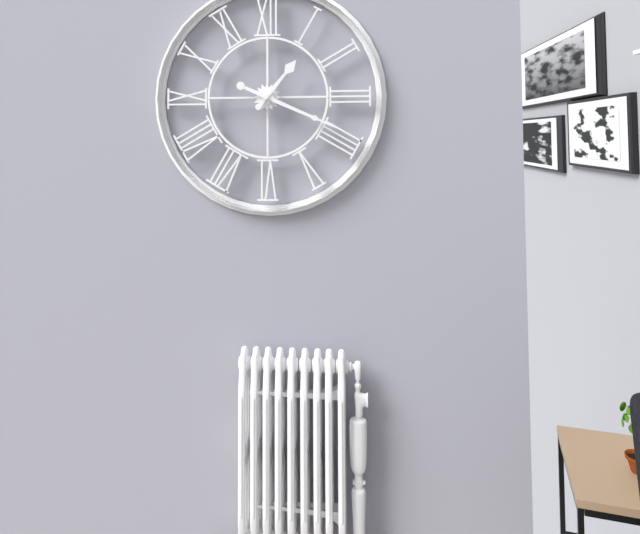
1:19
